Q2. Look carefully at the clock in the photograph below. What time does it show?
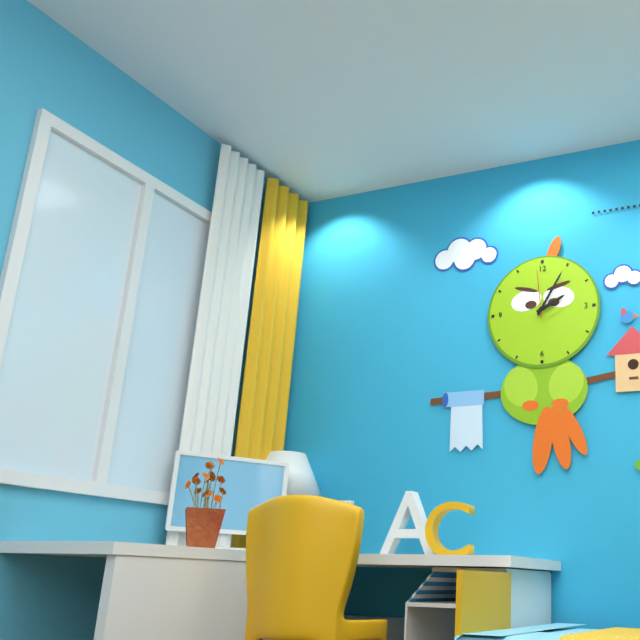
2:05:59
